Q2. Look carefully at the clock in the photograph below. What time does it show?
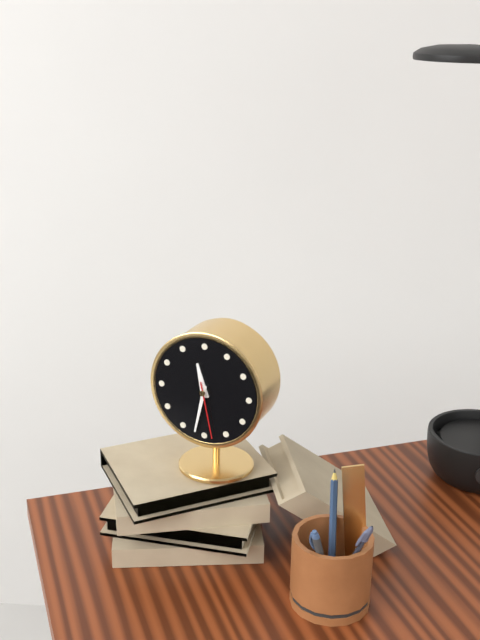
11:32:28
